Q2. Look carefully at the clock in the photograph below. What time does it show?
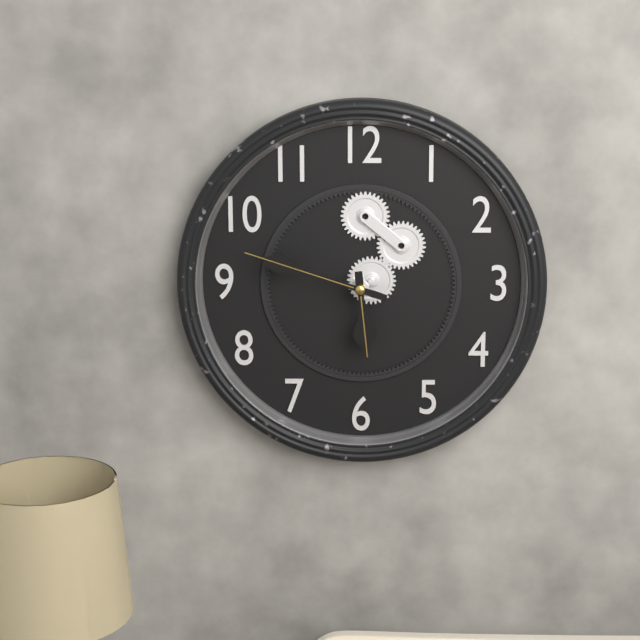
5:48
